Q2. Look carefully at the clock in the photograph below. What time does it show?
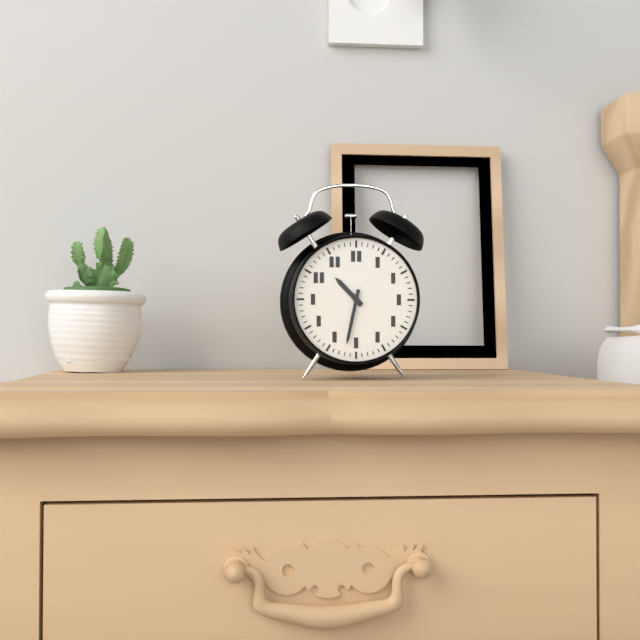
10:32
